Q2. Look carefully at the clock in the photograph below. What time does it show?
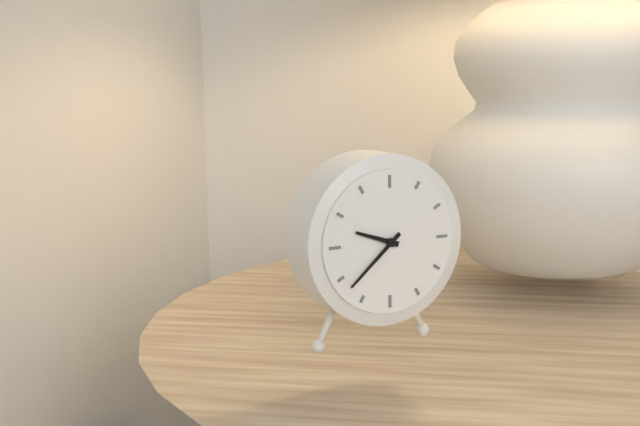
9:38
